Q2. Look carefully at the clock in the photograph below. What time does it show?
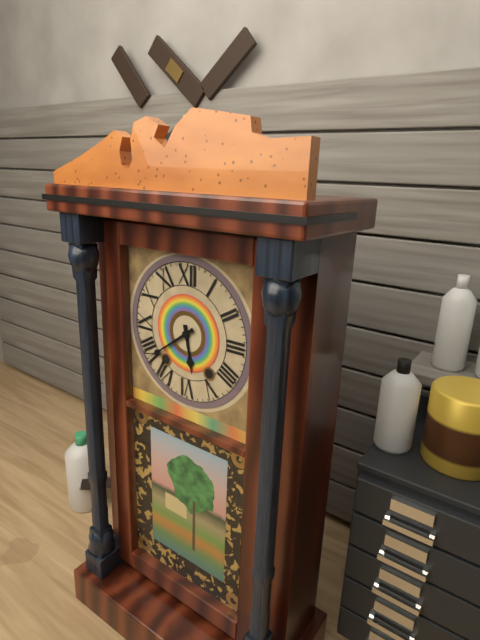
5:39
